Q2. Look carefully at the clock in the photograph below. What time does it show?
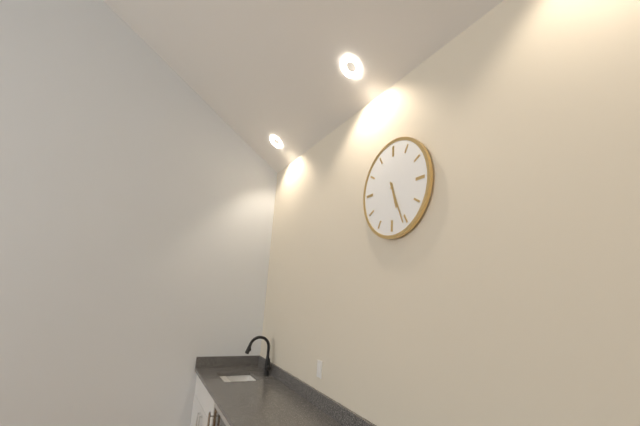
5:26
